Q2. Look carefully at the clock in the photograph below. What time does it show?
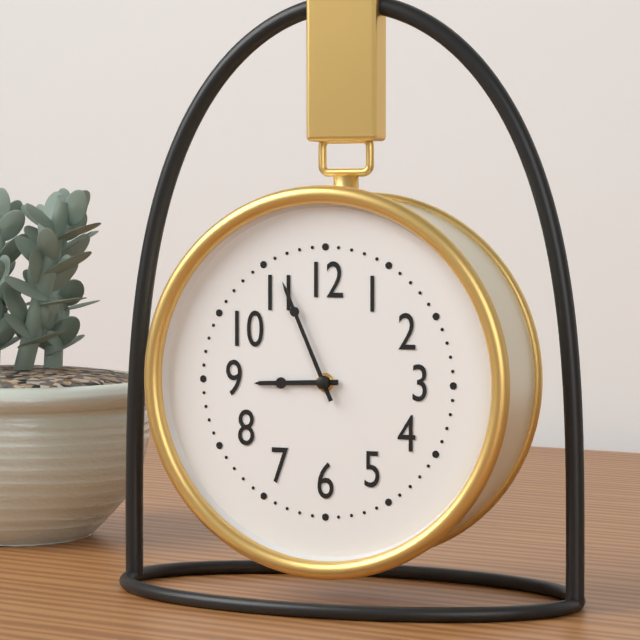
8:56
